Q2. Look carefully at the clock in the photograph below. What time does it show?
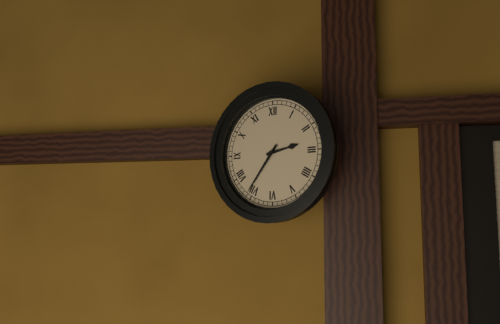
2:36
